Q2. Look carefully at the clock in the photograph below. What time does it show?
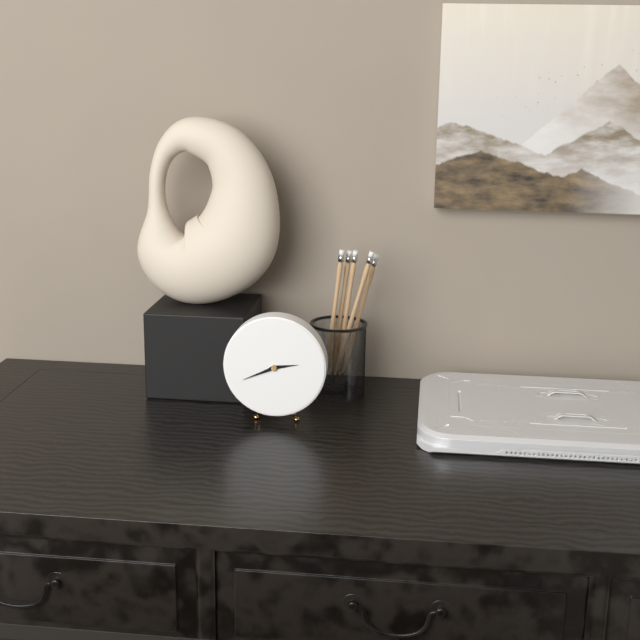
2:41
